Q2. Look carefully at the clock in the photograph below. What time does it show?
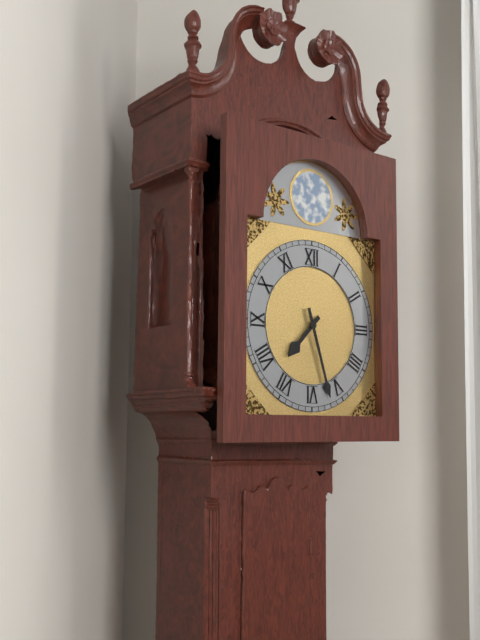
7:27
